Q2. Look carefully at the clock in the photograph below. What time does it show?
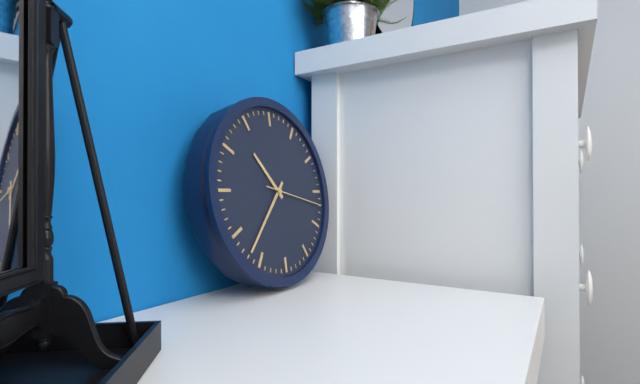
10:37:17
